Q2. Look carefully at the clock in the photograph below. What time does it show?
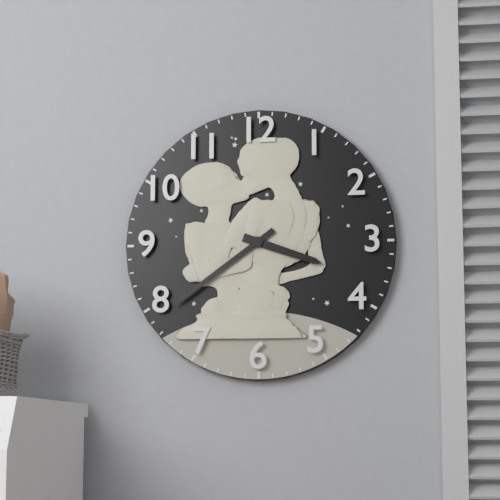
3:39
